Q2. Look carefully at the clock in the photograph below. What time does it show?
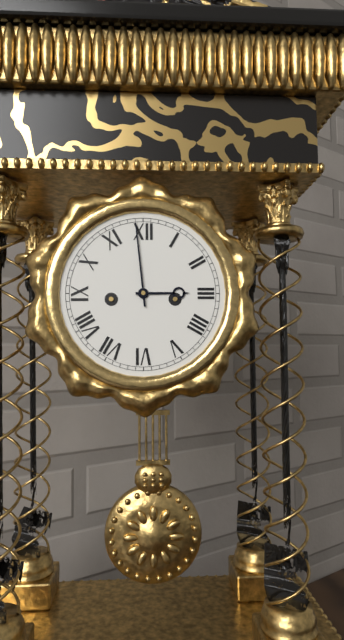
2:59
